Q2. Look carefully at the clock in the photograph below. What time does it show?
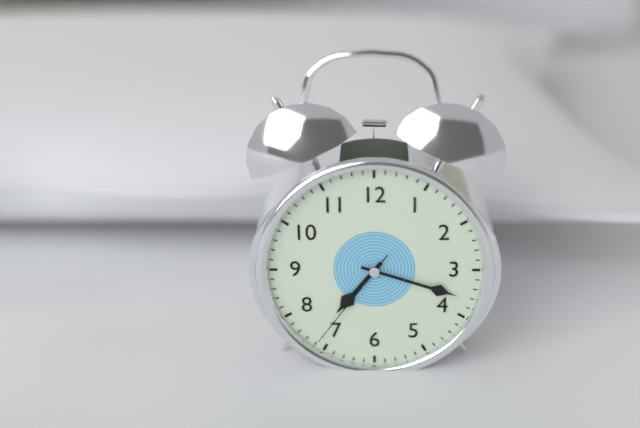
7:18:36
